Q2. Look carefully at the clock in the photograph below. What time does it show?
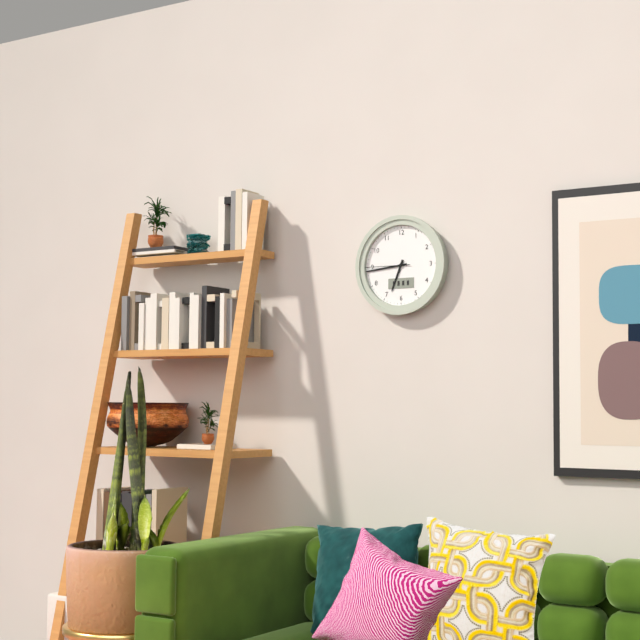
6:44
